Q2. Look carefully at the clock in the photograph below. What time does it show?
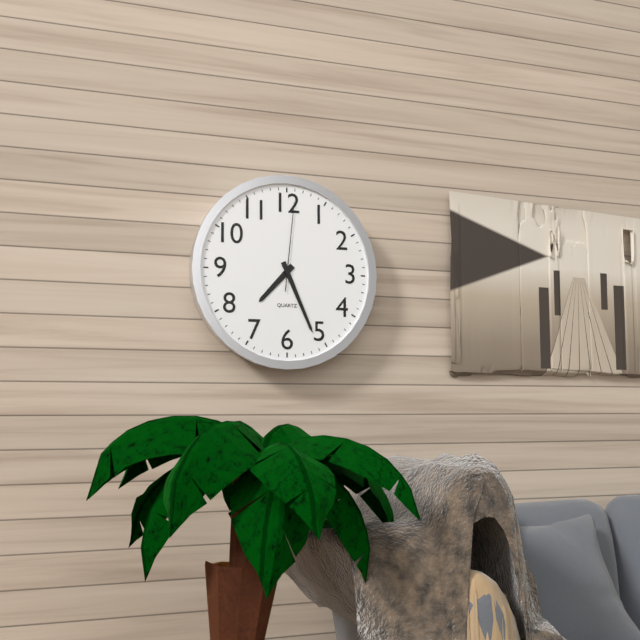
7:26:01
